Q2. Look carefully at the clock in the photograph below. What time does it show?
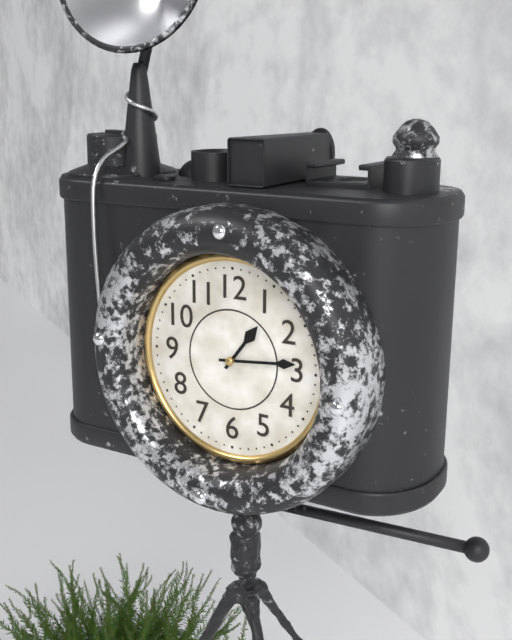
1:14
